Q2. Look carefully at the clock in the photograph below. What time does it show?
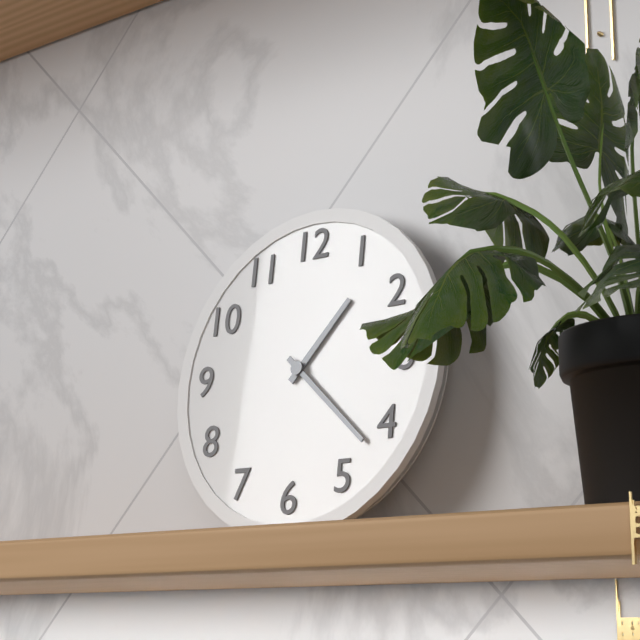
1:22
